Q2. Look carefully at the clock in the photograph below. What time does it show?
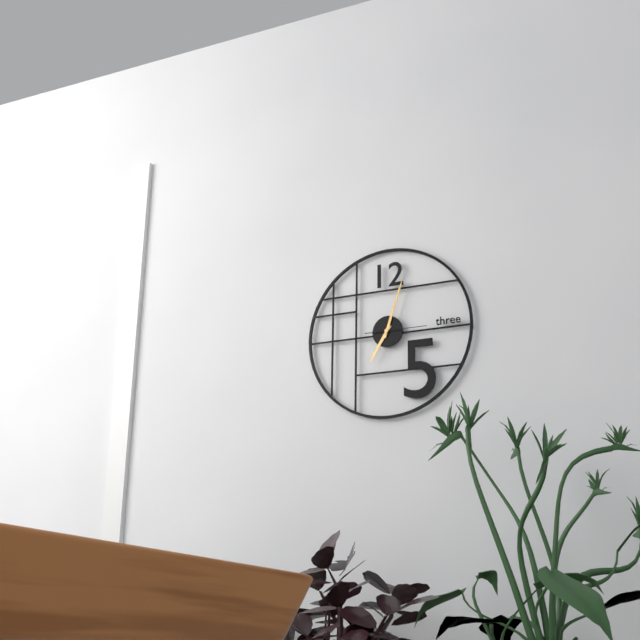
7:03
